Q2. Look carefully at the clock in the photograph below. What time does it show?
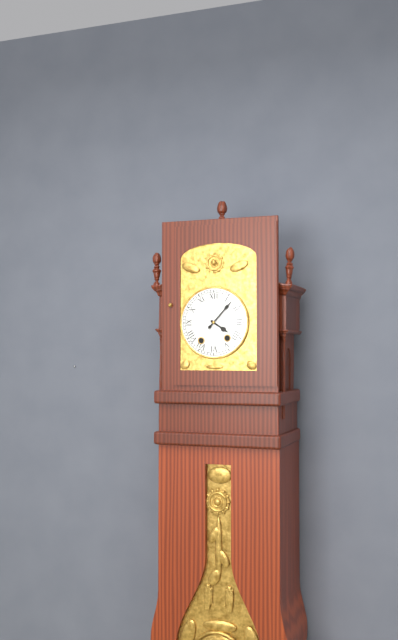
4:07
